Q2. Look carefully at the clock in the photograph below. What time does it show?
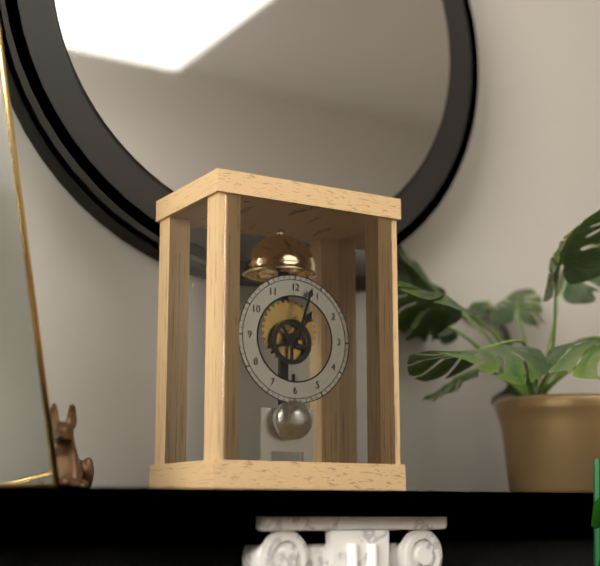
1:03
